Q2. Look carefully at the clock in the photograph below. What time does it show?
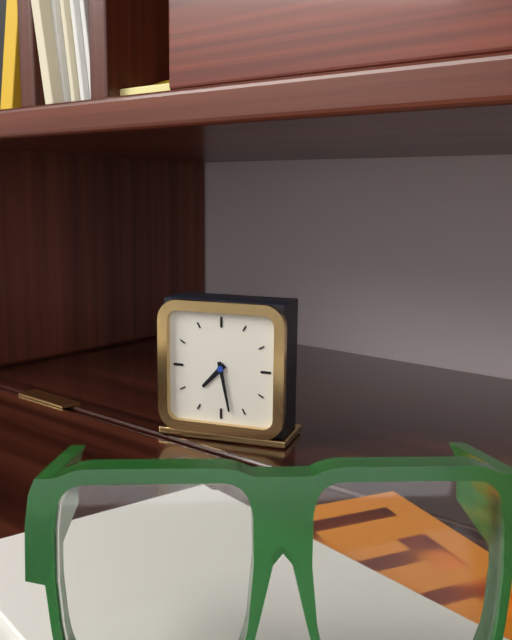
7:28
